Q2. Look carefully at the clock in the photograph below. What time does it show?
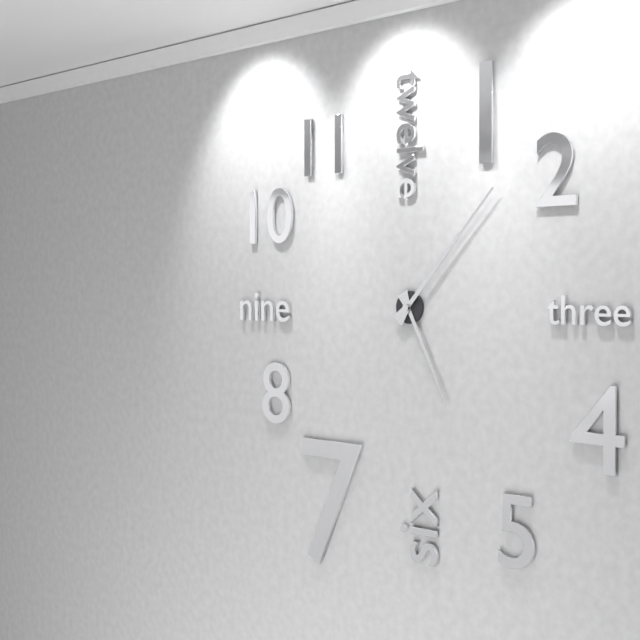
5:07
